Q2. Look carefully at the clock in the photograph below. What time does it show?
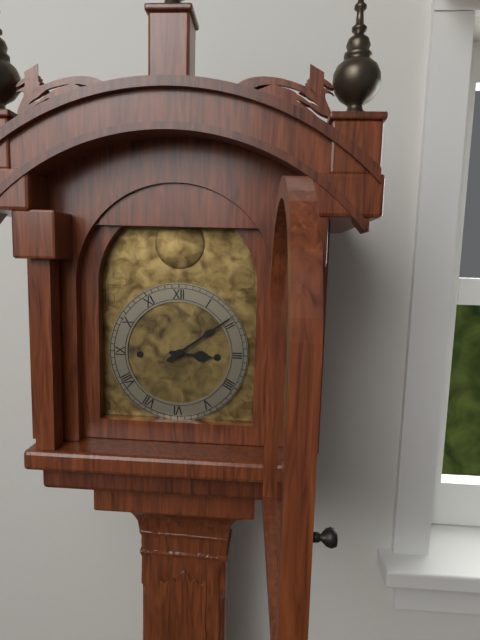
3:09
